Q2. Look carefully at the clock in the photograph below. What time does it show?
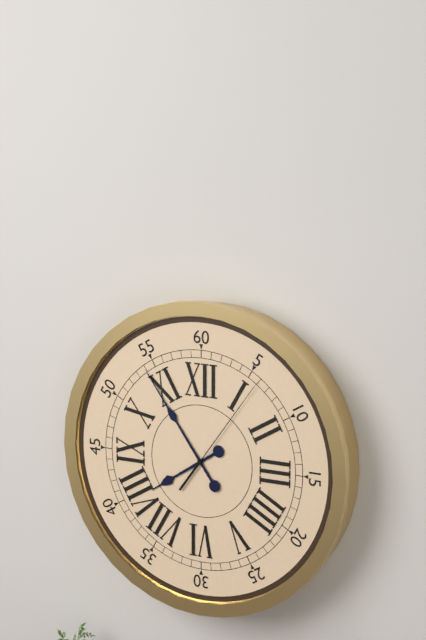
7:54:06
